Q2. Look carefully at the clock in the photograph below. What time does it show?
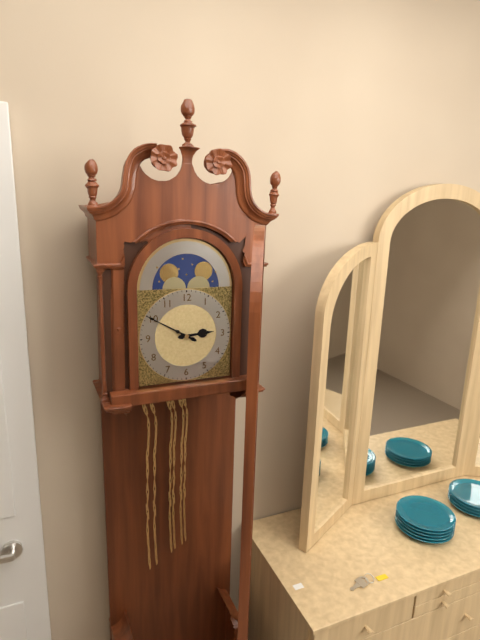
2:50
